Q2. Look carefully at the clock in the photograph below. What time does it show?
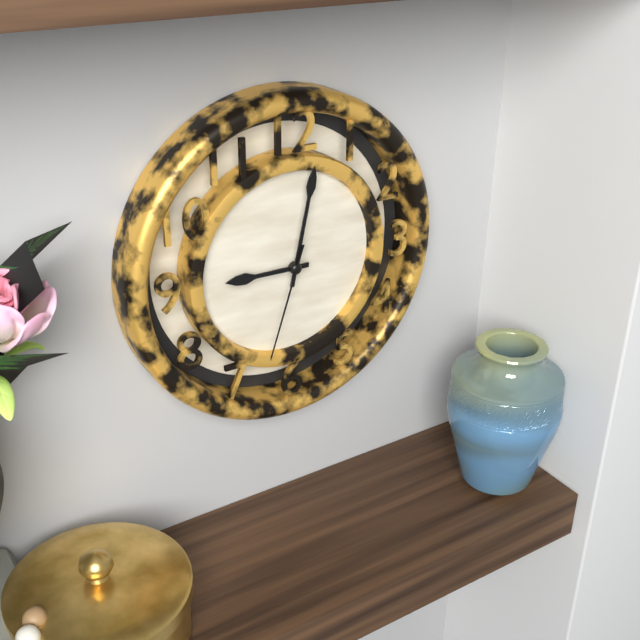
9:02:33
